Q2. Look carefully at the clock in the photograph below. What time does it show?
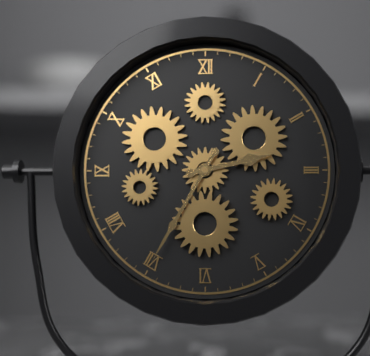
2:35
